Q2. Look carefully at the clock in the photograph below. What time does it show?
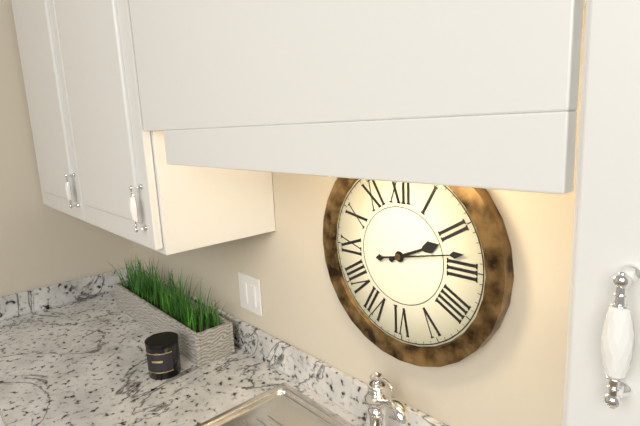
2:13
